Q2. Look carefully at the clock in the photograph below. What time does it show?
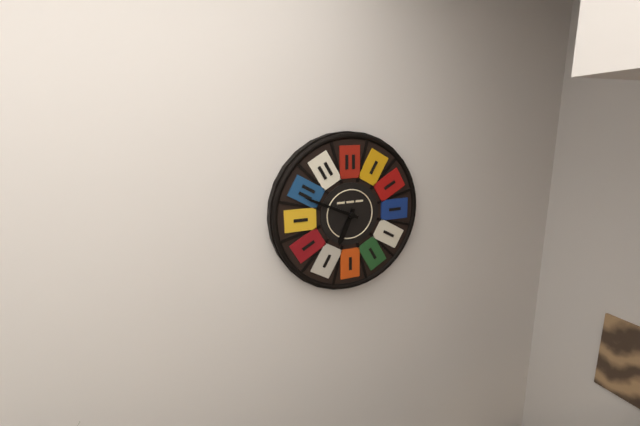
6:49
